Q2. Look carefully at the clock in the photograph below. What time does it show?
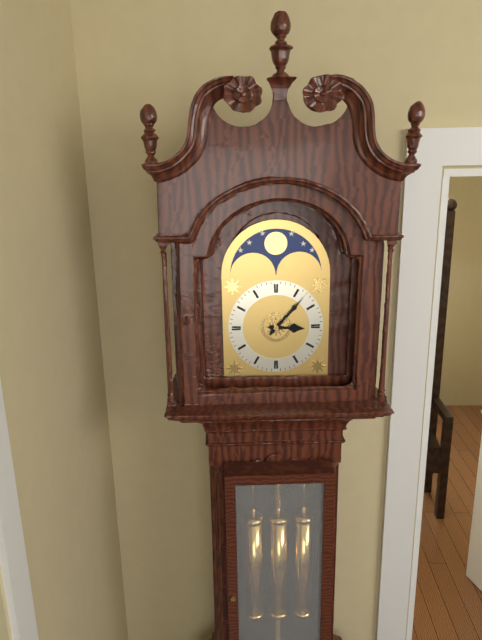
3:07
